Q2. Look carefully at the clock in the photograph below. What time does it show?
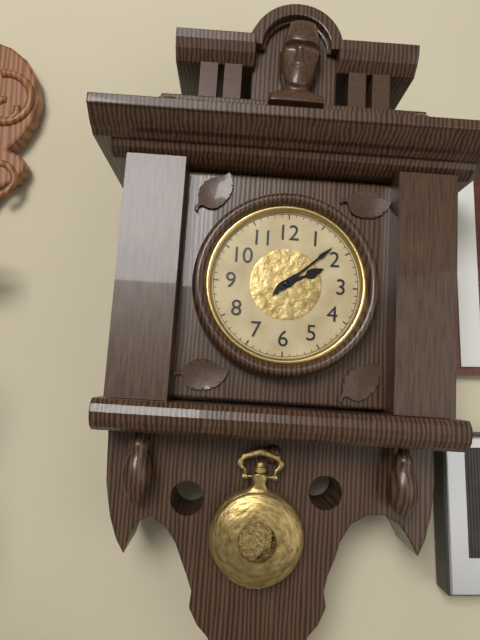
2:08
